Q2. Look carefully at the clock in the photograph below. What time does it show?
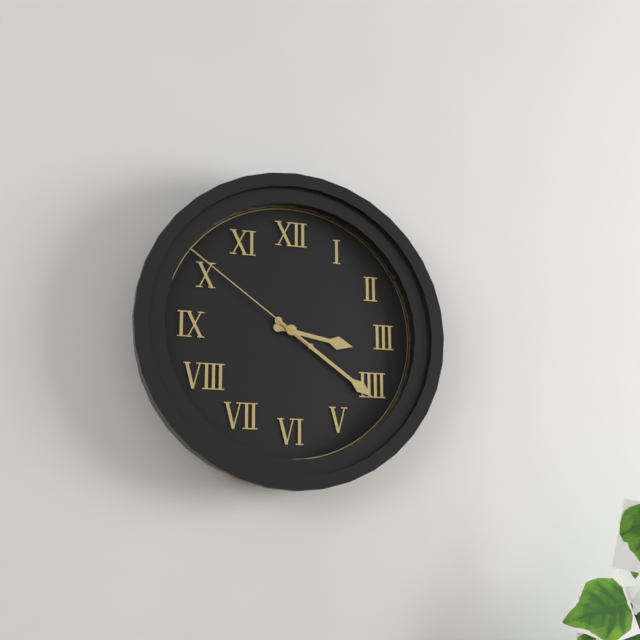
3:21:51
